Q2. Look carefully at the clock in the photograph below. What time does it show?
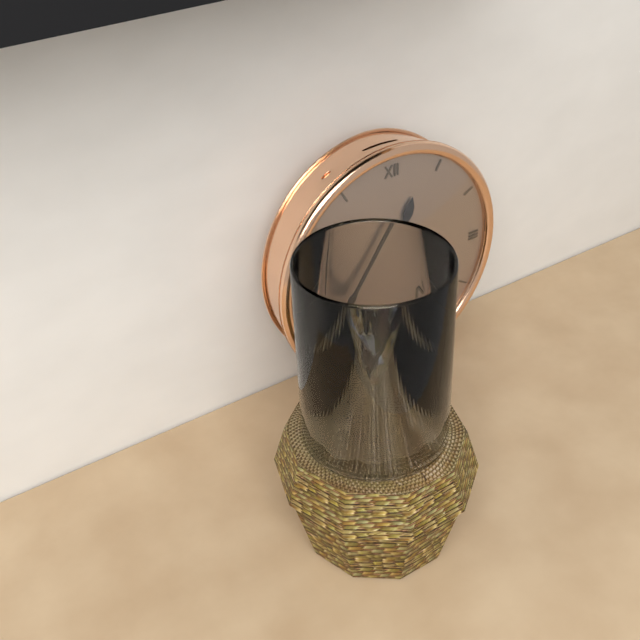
12:36
